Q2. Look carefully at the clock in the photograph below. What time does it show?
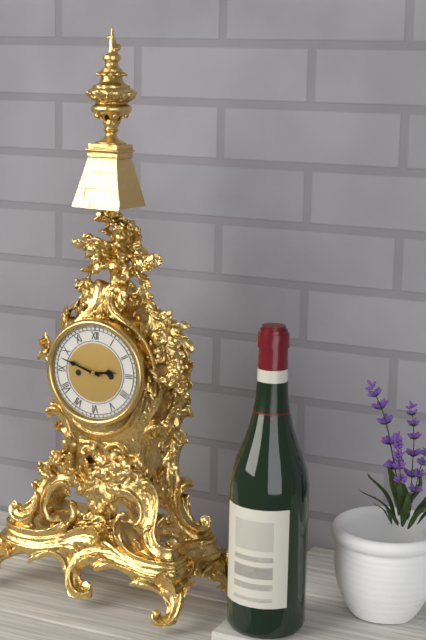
2:48
